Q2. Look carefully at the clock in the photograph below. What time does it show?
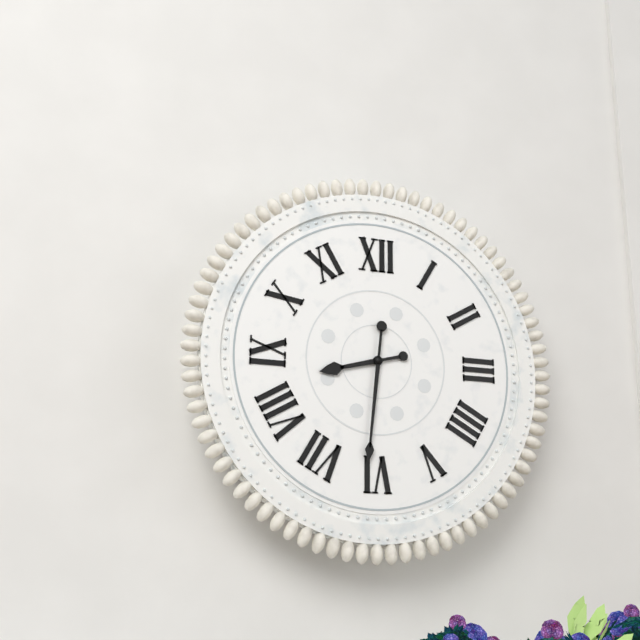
8:31
